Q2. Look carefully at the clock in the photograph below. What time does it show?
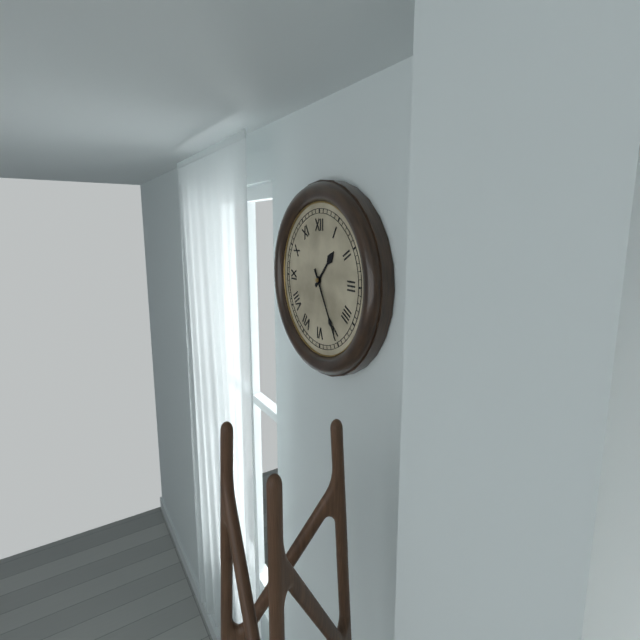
1:25
